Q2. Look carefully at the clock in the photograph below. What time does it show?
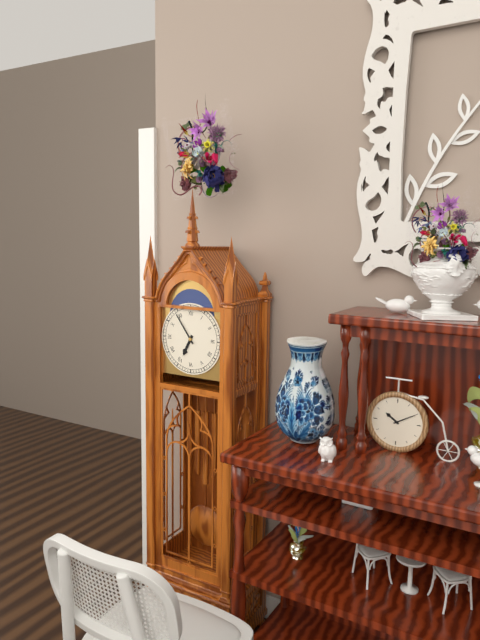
6:54
